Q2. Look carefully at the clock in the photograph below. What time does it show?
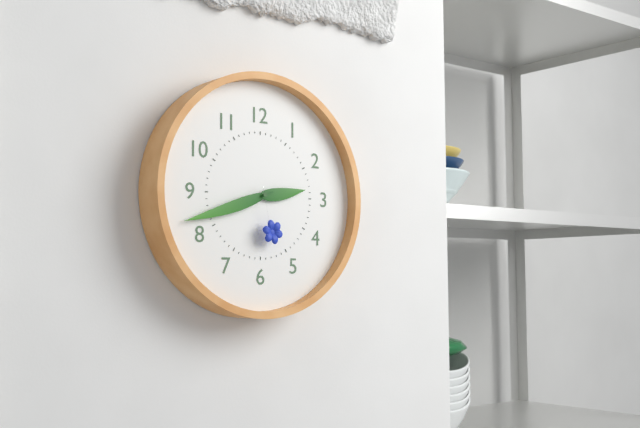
2:42:28
